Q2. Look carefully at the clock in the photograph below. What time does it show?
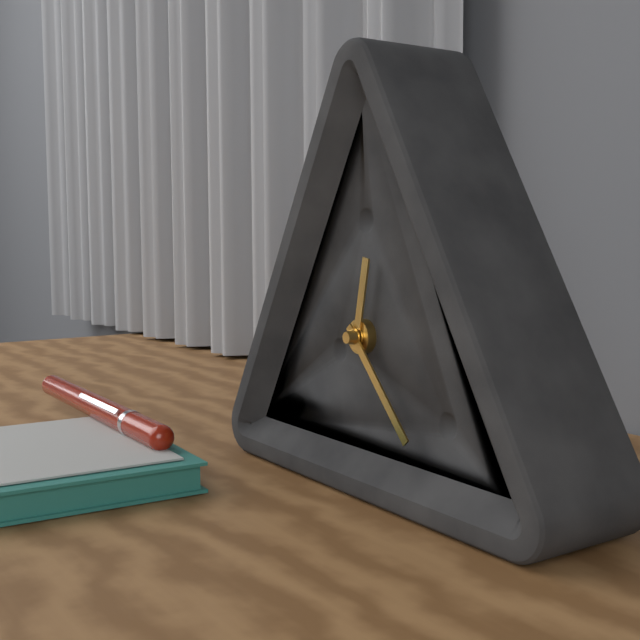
12:23
